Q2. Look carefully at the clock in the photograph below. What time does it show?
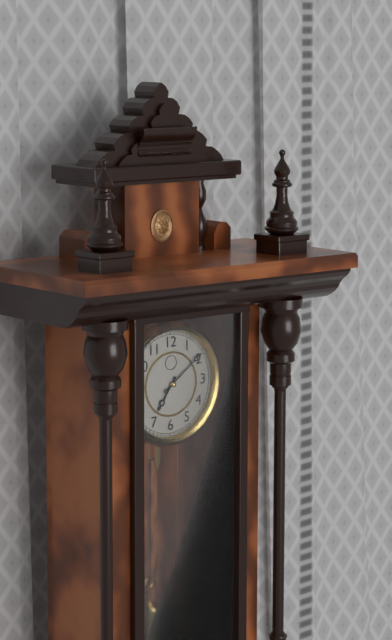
7:09
